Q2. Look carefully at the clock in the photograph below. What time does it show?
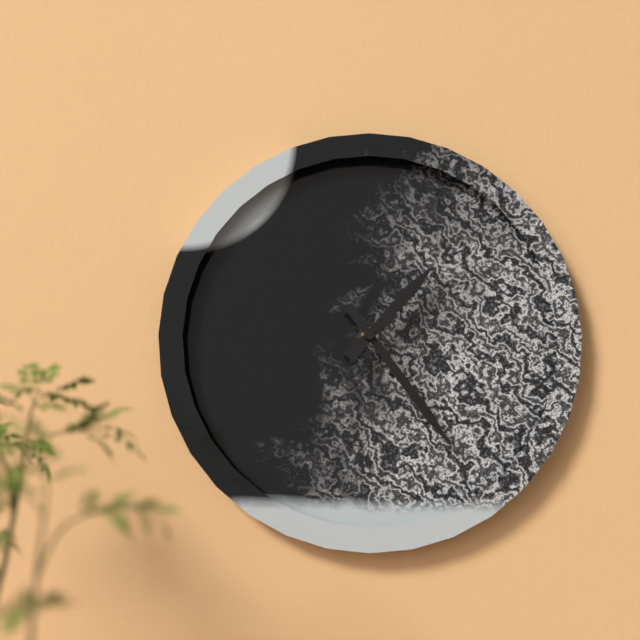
1:24
